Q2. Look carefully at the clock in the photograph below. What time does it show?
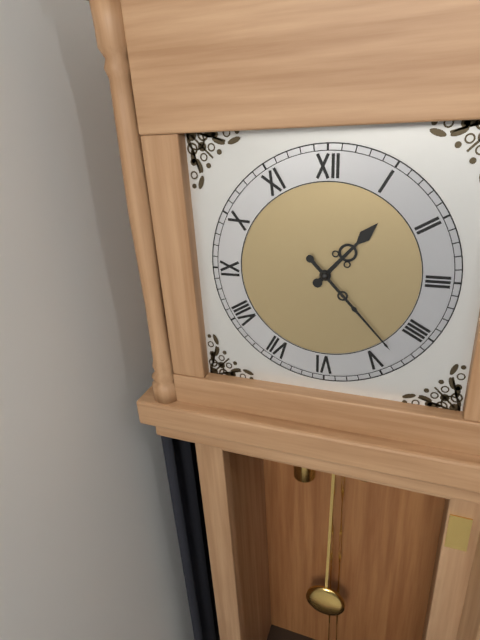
1:23
